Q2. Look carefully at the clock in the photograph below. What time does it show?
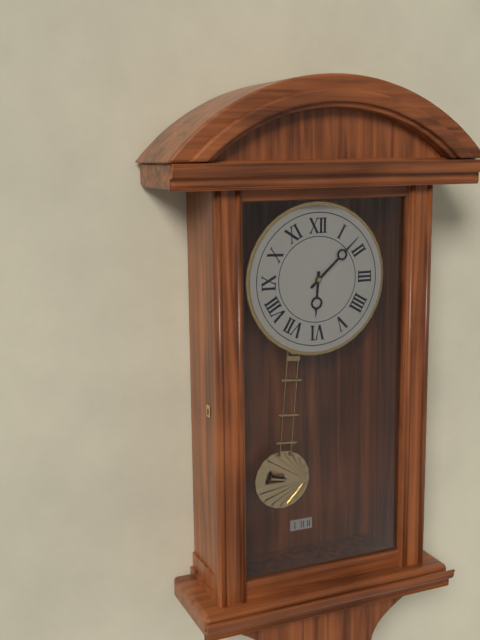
6:08
